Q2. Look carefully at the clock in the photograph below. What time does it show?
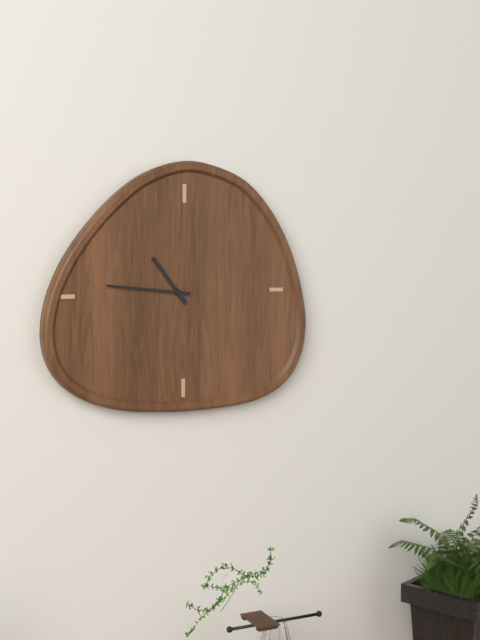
10:46
